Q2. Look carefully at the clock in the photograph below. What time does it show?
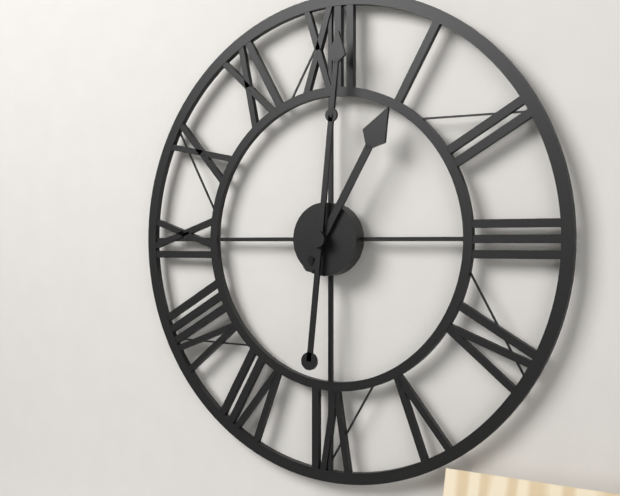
1:01
